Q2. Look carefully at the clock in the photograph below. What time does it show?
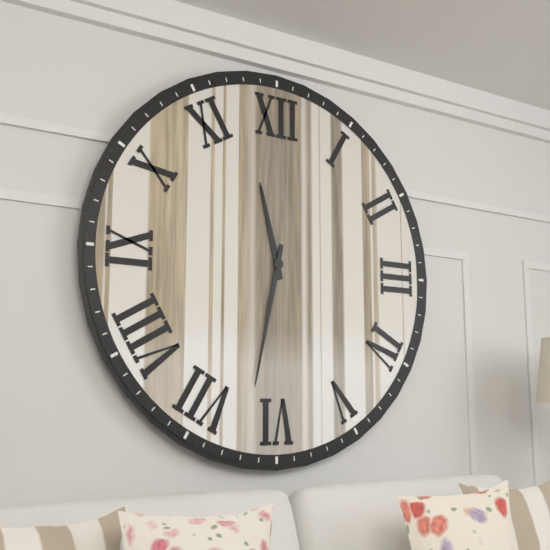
11:32
